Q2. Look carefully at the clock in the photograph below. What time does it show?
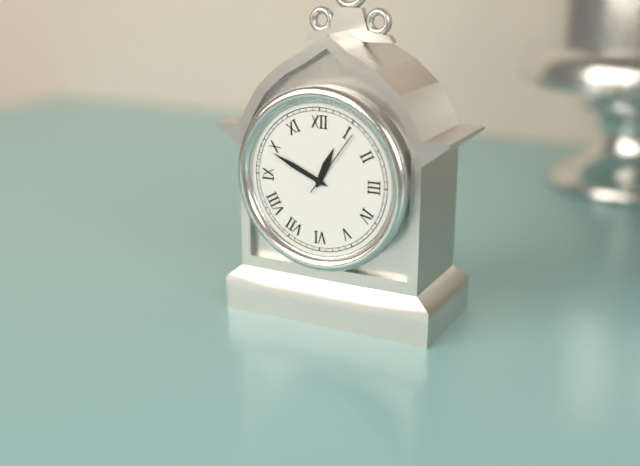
12:49:06
